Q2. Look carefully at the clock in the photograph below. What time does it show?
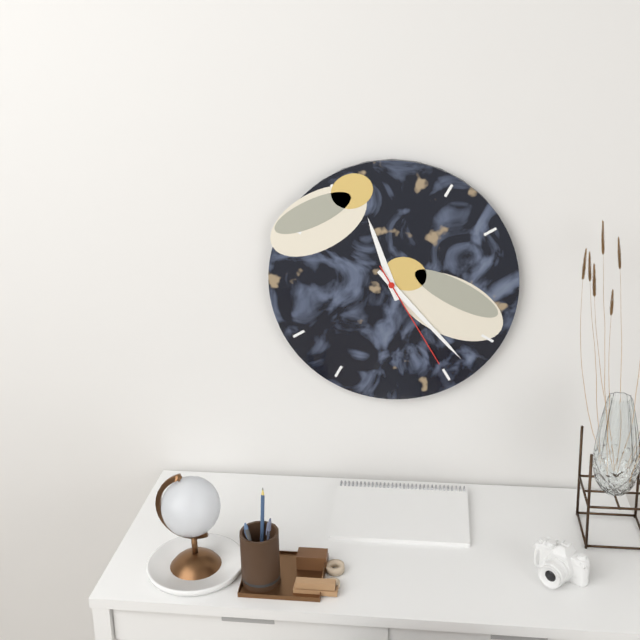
11:23:25
